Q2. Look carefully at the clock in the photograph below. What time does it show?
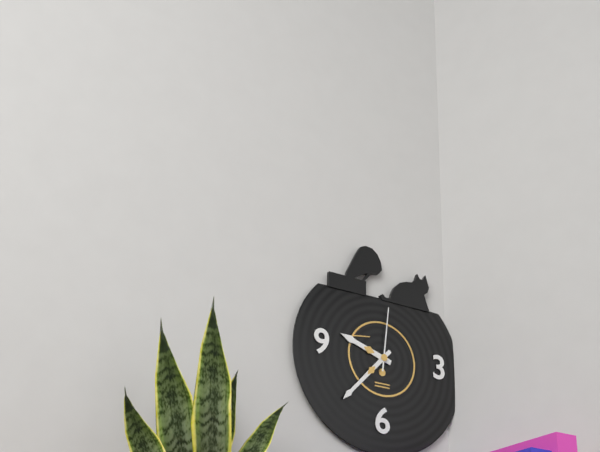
9:37:01
